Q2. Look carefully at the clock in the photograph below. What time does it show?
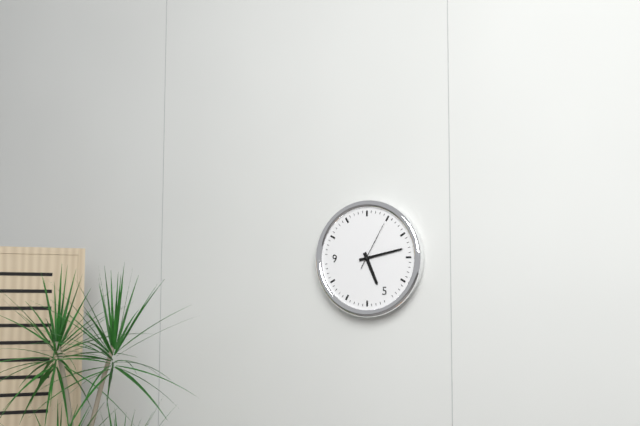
5:13
